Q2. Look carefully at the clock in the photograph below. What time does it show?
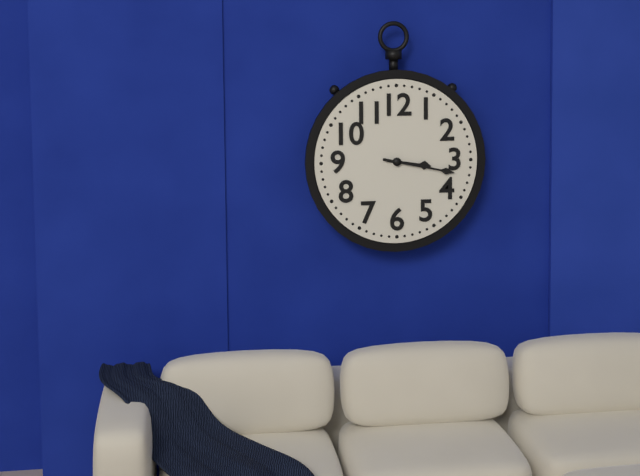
3:17
